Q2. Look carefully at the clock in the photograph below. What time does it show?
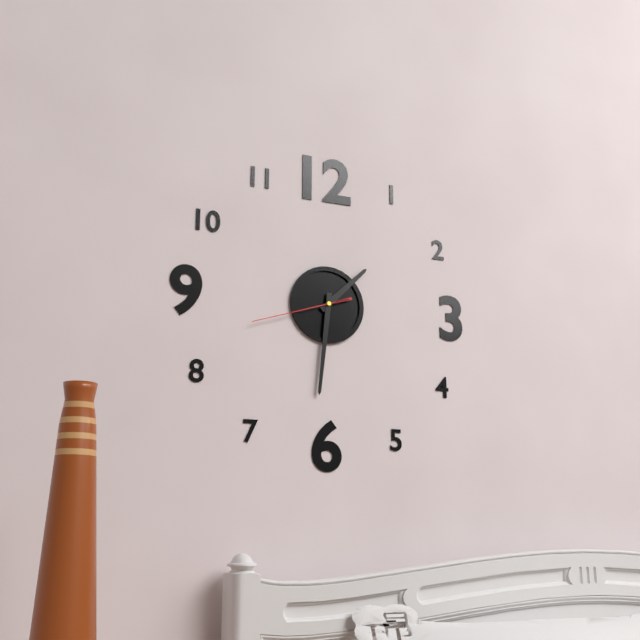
1:31:42
